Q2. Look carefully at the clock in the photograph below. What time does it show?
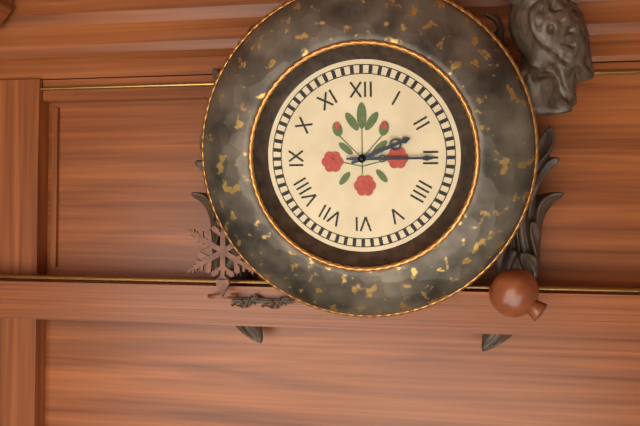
2:15
